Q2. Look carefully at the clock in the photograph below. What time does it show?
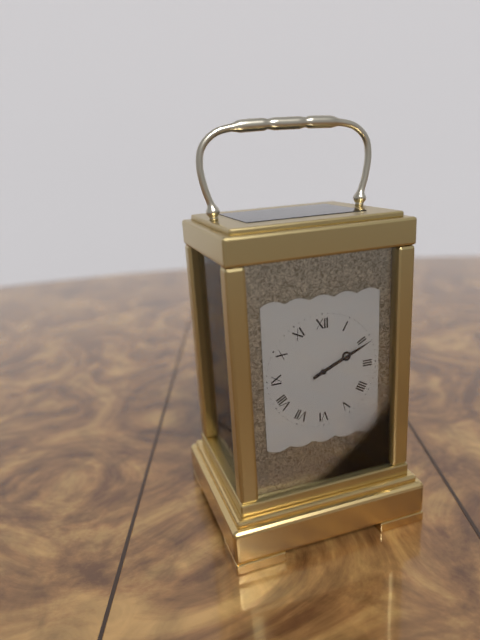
2:11
